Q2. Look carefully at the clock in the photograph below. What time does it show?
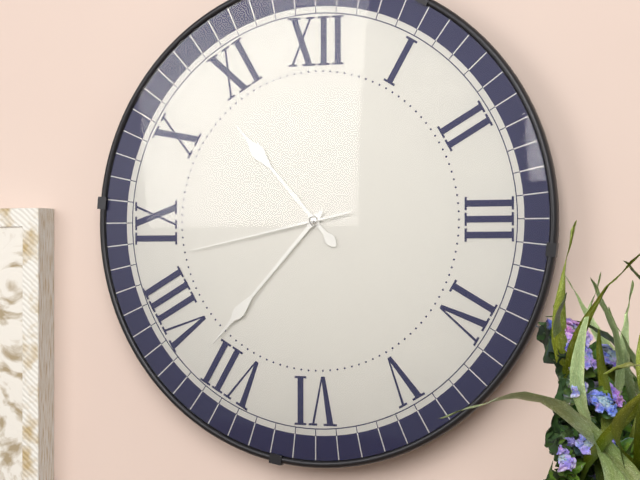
10:37:43
